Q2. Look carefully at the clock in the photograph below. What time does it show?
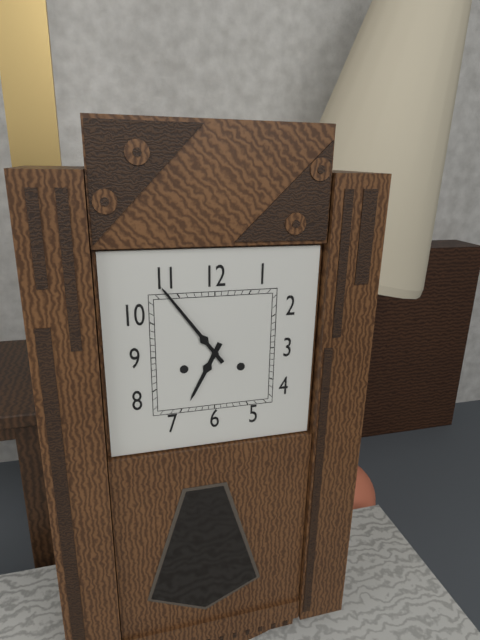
6:54
